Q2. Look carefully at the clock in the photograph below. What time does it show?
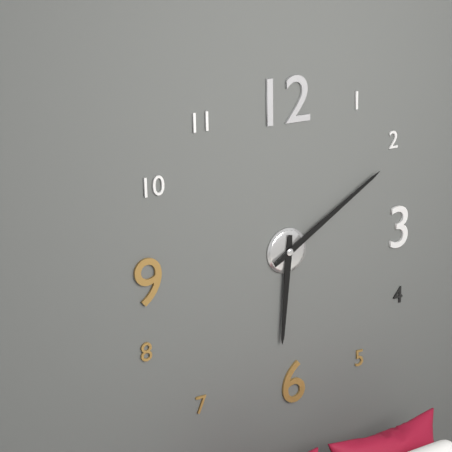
6:10
